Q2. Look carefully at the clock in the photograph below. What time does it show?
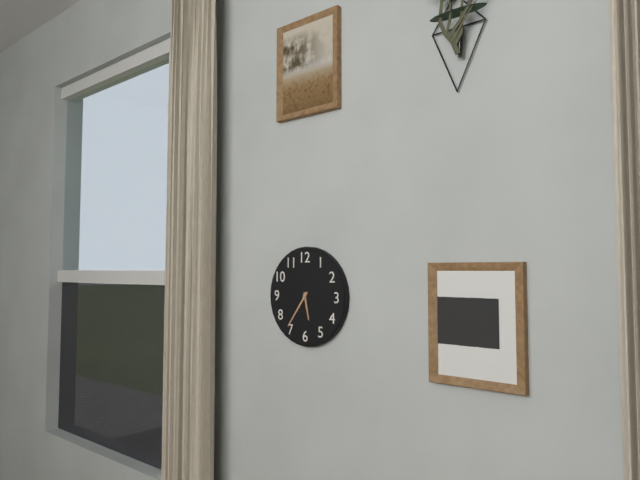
5:36
